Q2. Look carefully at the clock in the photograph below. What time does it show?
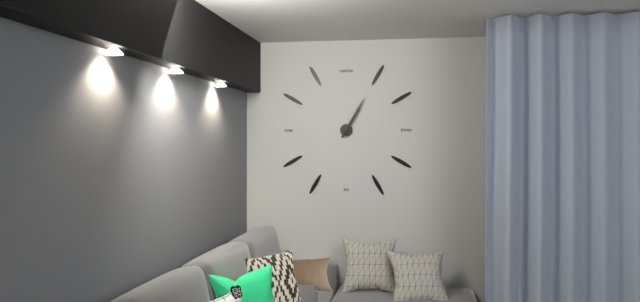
1:05
